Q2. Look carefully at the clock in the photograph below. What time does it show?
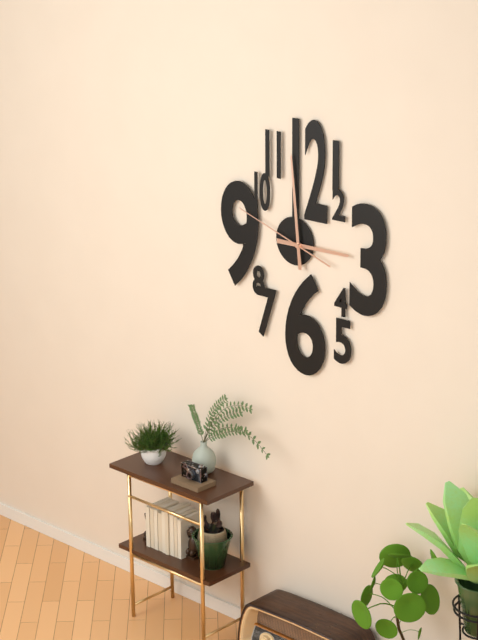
2:59:48
